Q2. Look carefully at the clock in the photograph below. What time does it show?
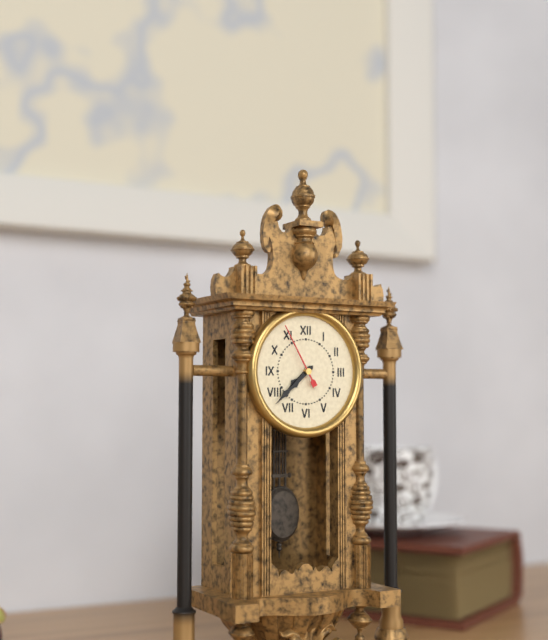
7:38:55
